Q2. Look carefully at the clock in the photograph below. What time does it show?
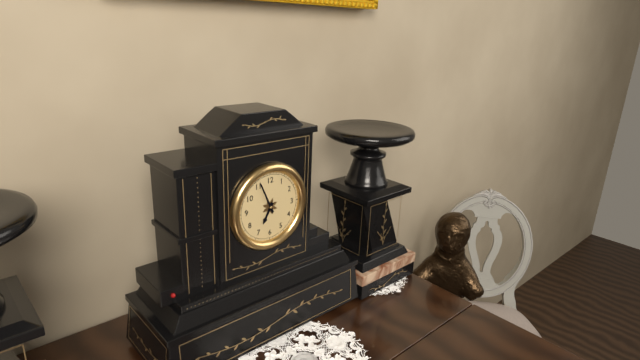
6:56
